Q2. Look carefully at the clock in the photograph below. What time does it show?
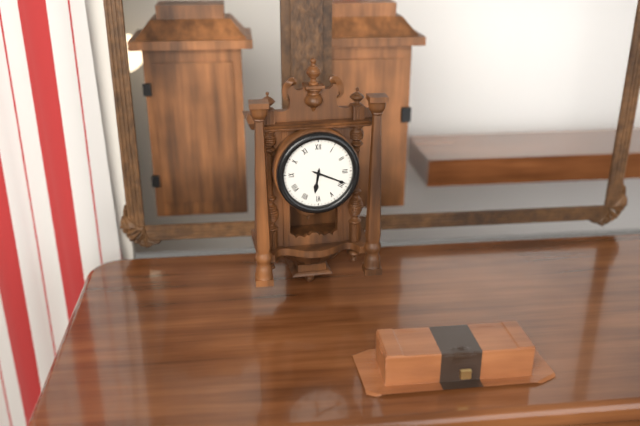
6:19
